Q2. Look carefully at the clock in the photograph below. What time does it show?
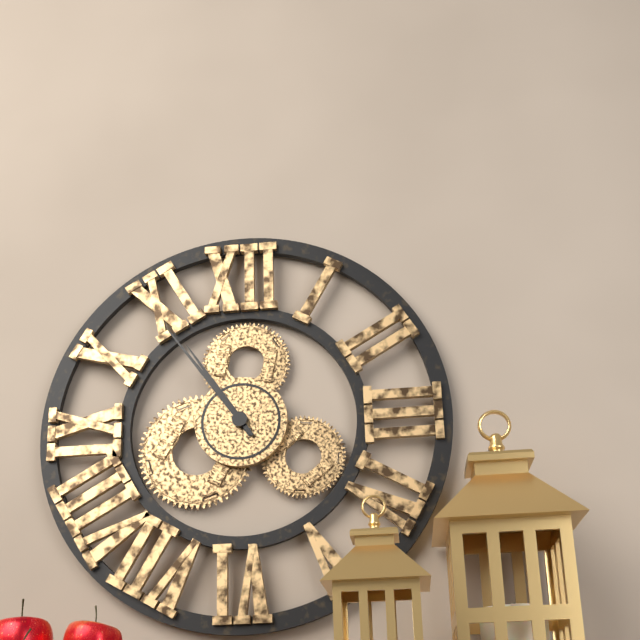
10:54
